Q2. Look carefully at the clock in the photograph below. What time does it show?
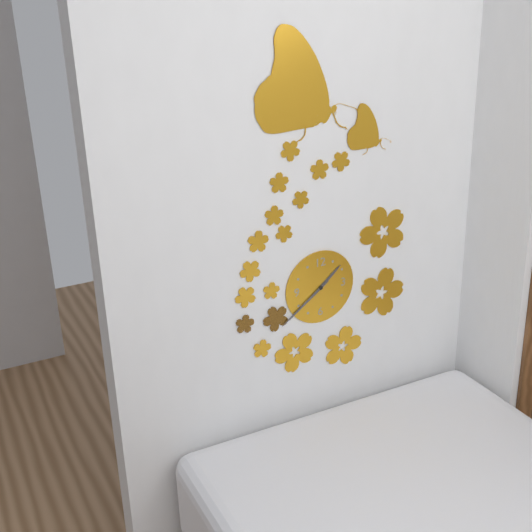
1:39
